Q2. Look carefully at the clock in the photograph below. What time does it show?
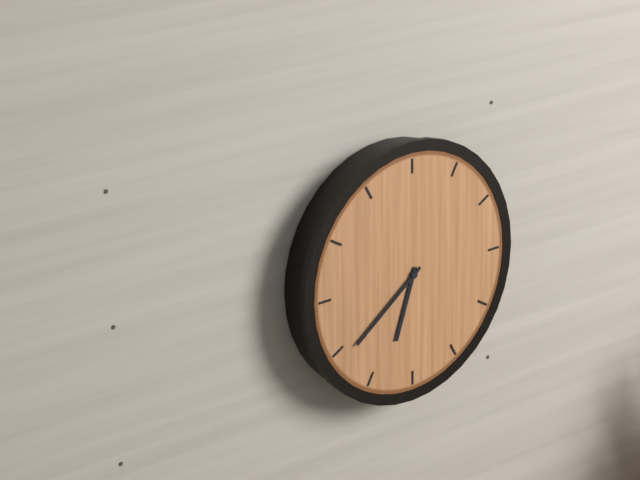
6:39
